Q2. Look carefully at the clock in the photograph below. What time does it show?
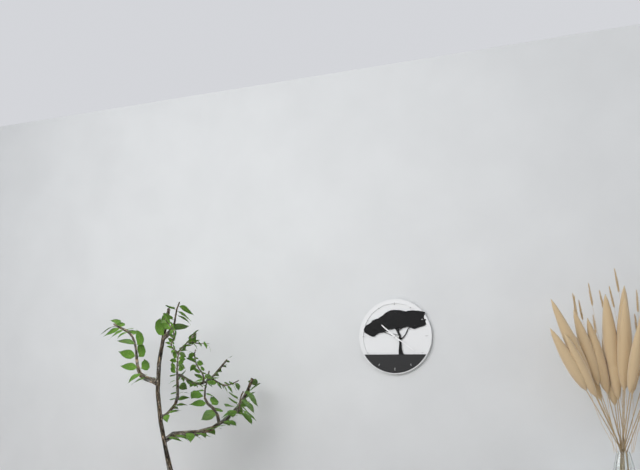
10:21
